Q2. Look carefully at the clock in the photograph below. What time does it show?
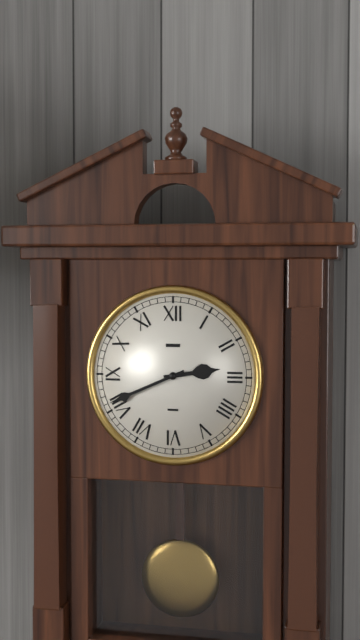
2:41
